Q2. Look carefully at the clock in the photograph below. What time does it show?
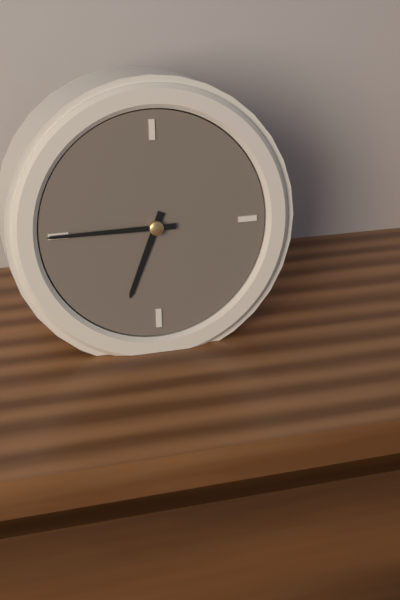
6:45
